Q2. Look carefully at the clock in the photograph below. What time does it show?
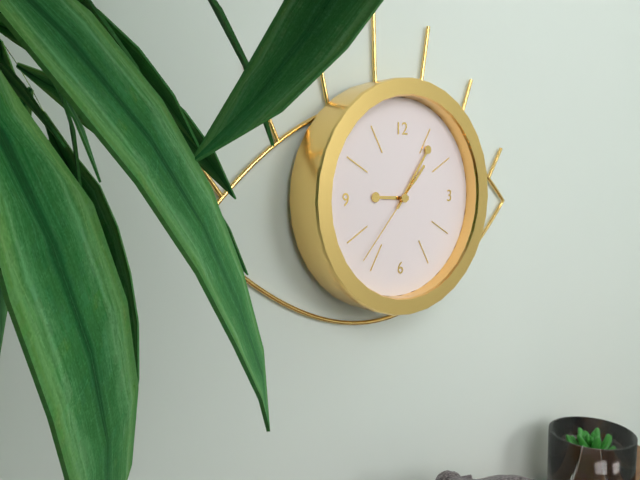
9:06:37
